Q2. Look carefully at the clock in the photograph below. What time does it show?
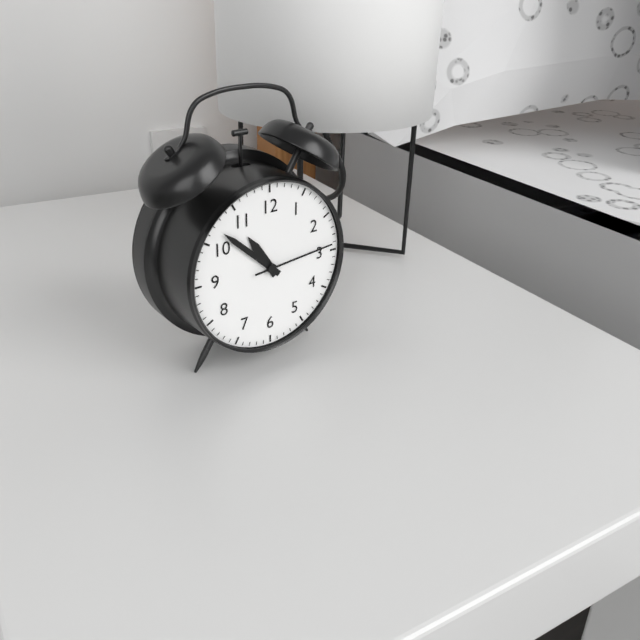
10:52:14
